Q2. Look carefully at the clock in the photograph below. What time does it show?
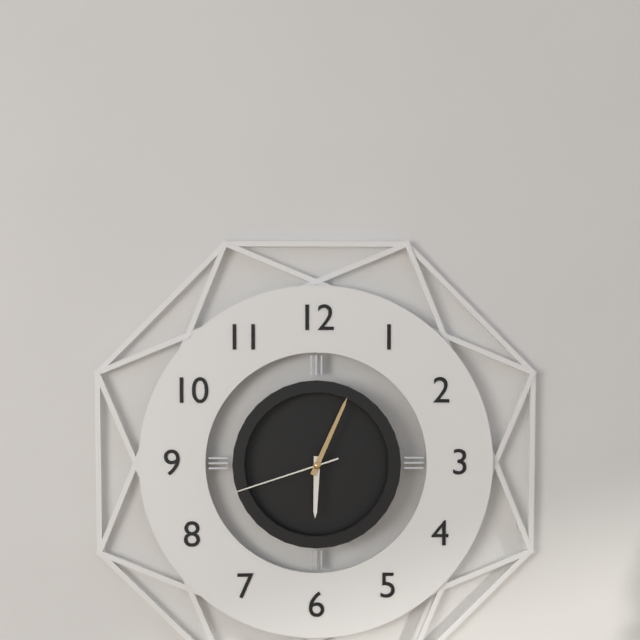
6:04:42
